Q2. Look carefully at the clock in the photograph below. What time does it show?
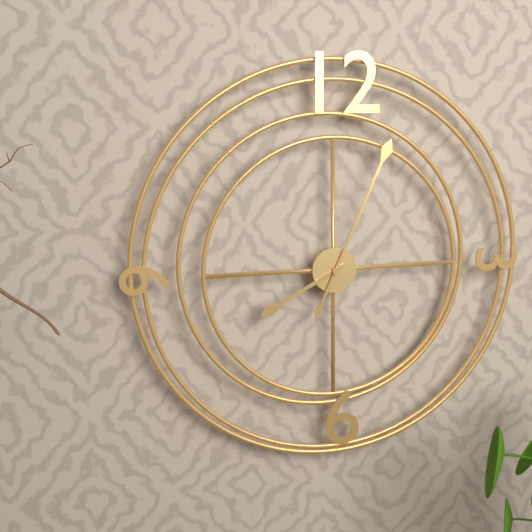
8:04
